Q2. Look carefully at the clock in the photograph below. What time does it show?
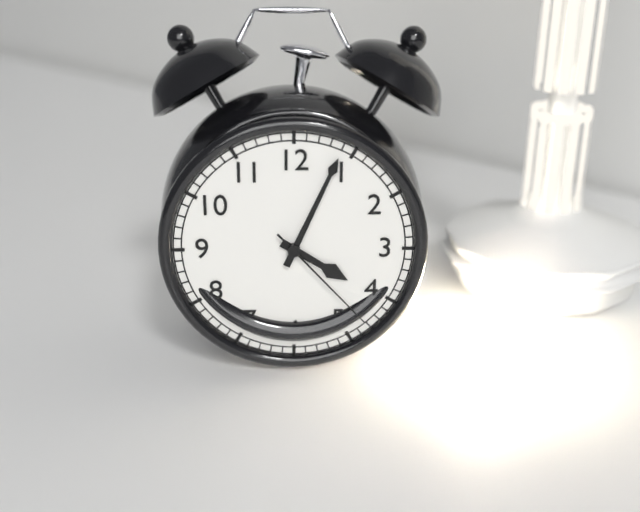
4:04:23
